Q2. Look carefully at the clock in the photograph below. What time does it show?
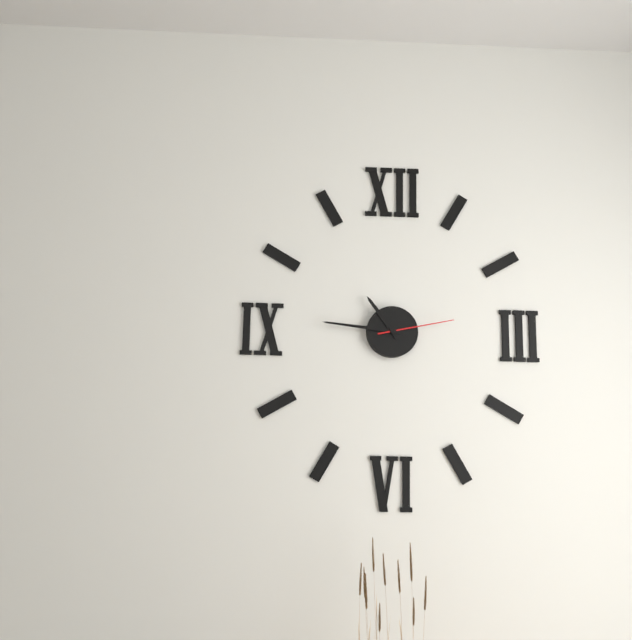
10:46:13
